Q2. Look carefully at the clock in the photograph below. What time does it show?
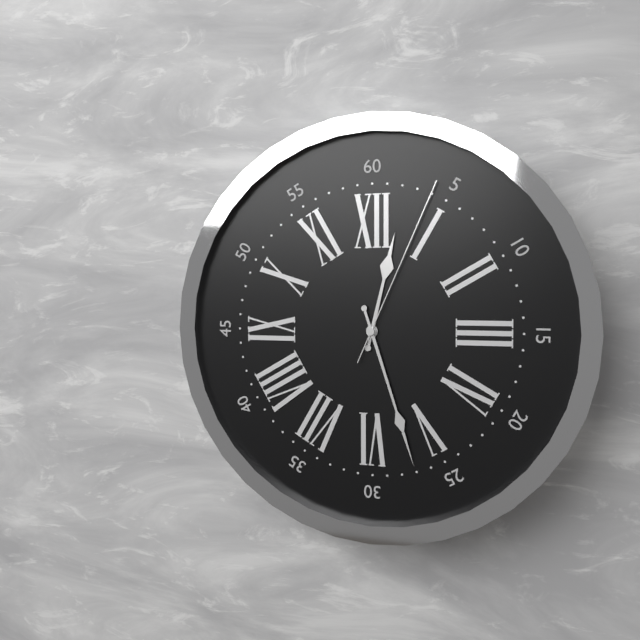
12:27:04
